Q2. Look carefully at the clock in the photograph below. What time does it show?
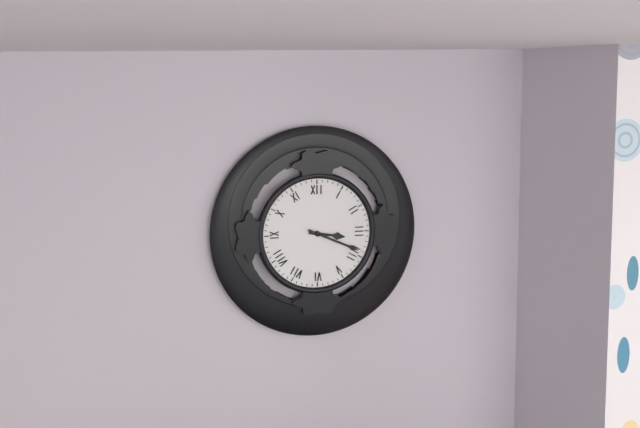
3:19
